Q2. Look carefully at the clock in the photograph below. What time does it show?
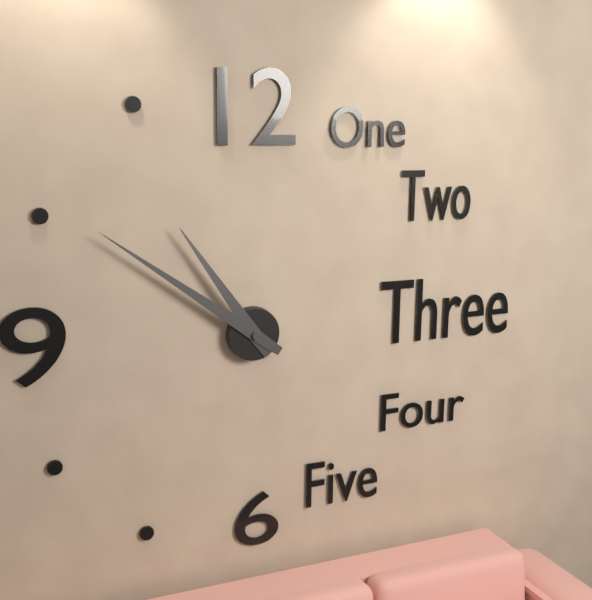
10:51
